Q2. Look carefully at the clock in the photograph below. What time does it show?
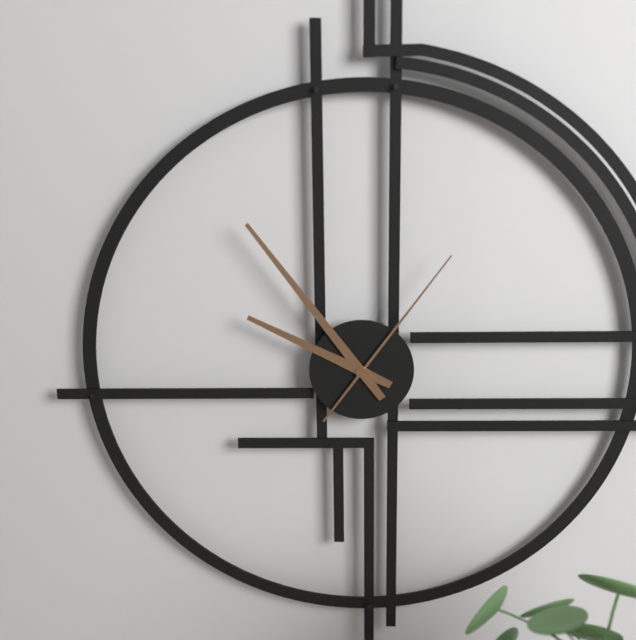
9:54:06
